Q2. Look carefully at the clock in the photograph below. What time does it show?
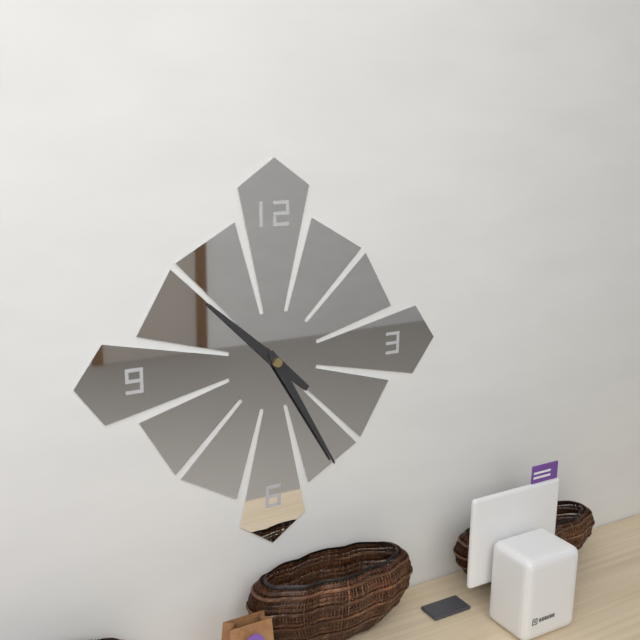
10:25
